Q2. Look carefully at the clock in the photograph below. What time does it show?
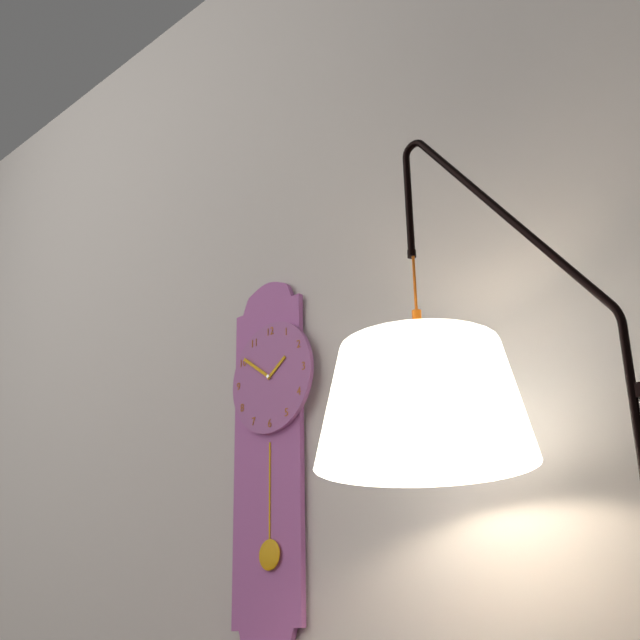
1:51
